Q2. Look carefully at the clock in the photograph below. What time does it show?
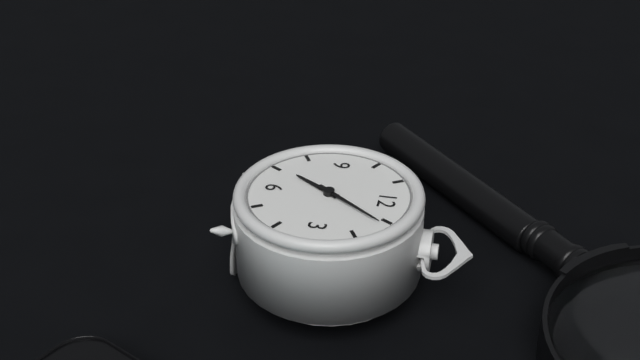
7:06
